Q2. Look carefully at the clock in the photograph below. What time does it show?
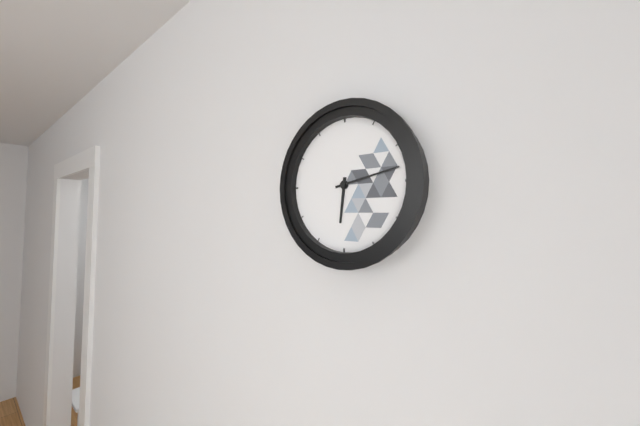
6:13
